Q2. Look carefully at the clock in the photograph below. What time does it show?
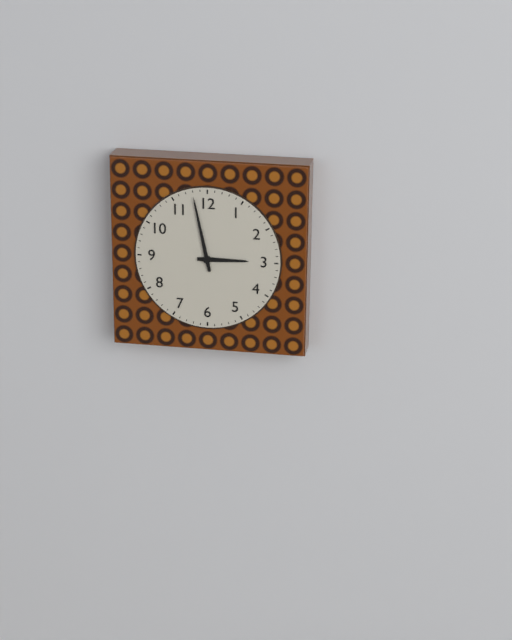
2:58
